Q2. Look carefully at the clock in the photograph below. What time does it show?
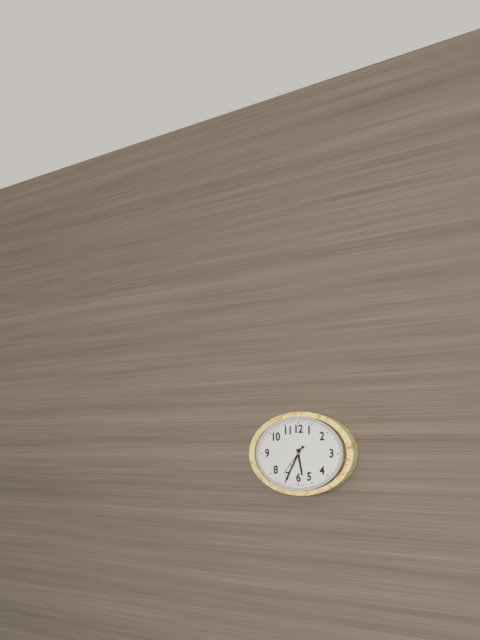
5:35
